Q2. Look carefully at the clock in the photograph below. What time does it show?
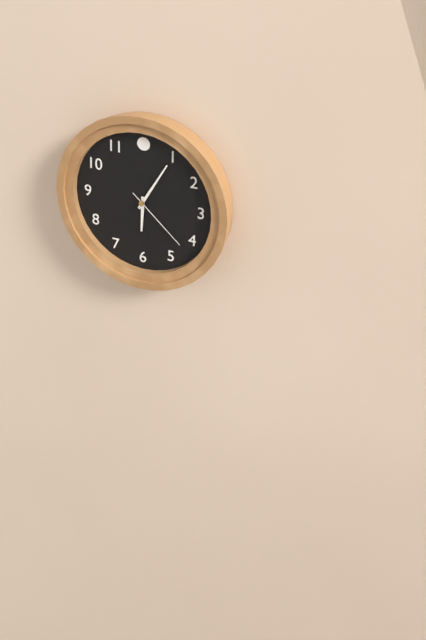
6:05:22
